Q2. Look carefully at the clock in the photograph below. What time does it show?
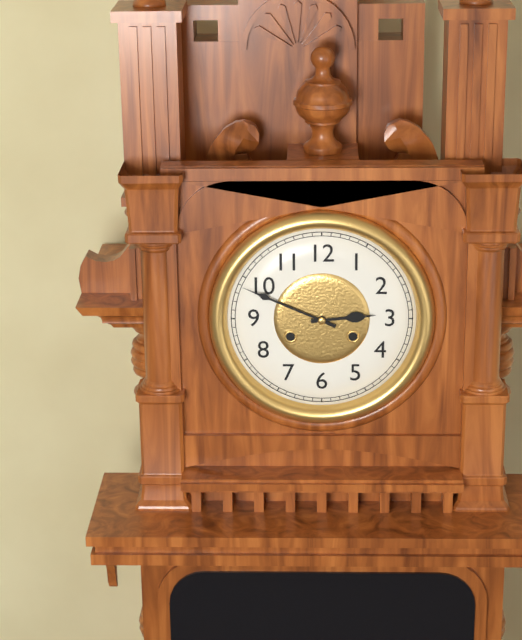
2:49
